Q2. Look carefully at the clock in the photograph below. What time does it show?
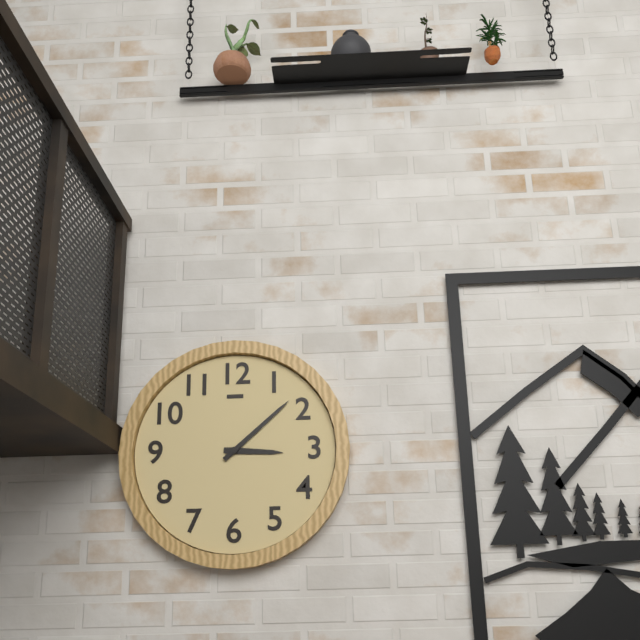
3:08
